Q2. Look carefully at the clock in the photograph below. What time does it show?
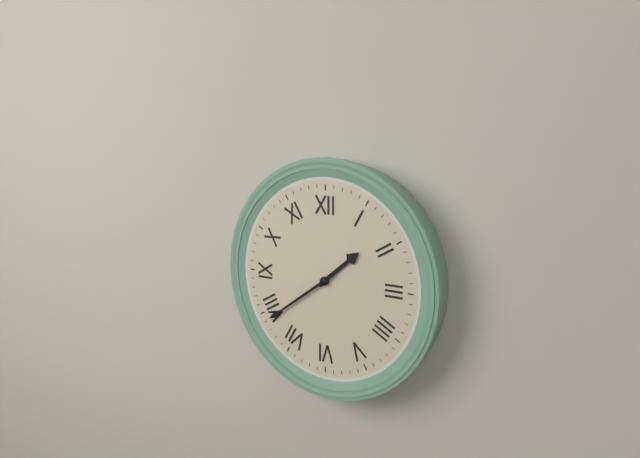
1:39
